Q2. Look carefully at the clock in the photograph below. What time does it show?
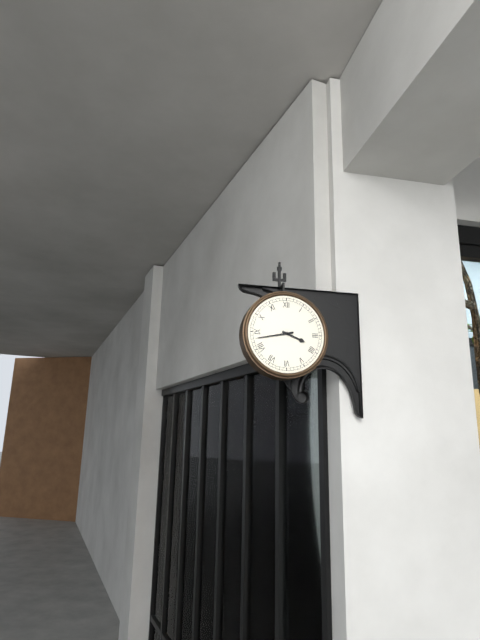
3:43
